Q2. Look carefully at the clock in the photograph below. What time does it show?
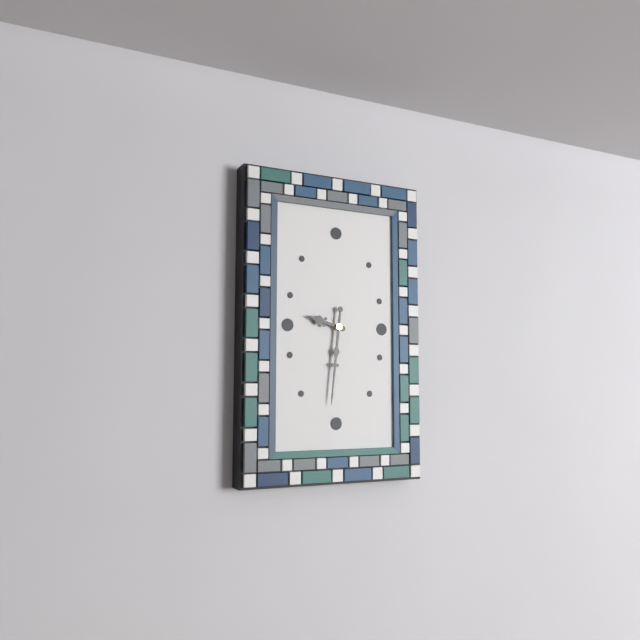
9:31
